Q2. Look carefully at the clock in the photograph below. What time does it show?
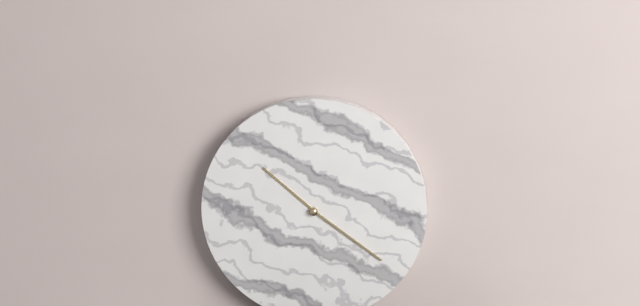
10:21
